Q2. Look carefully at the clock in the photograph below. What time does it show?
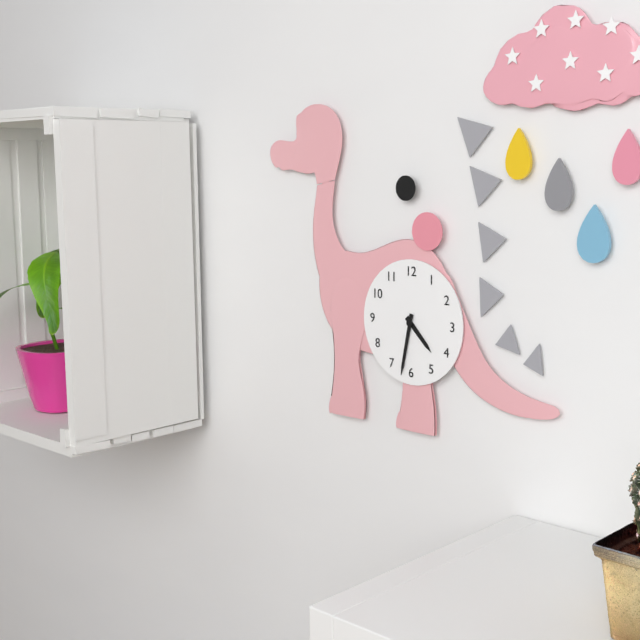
4:32
